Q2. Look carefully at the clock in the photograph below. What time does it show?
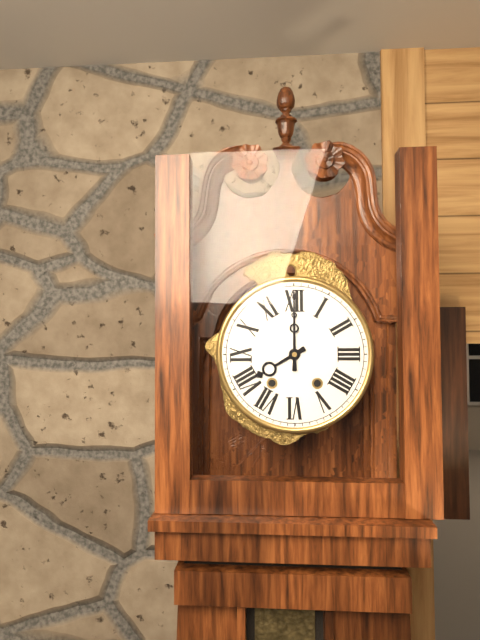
8:00
